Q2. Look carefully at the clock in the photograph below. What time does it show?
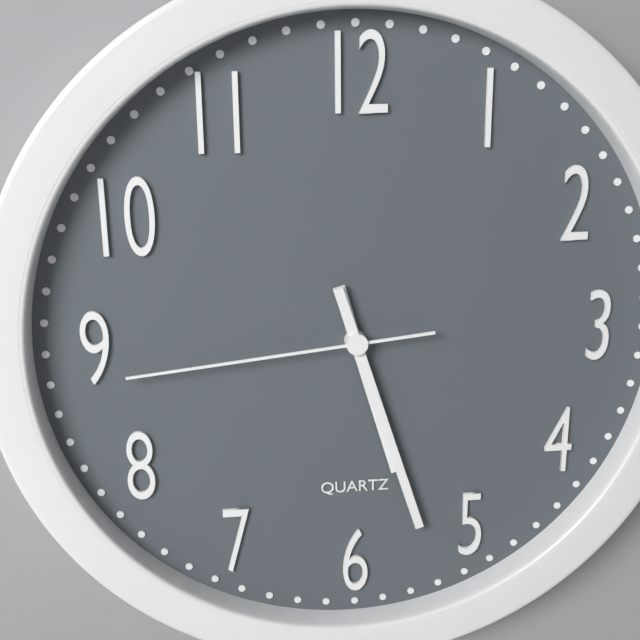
5:27:44
